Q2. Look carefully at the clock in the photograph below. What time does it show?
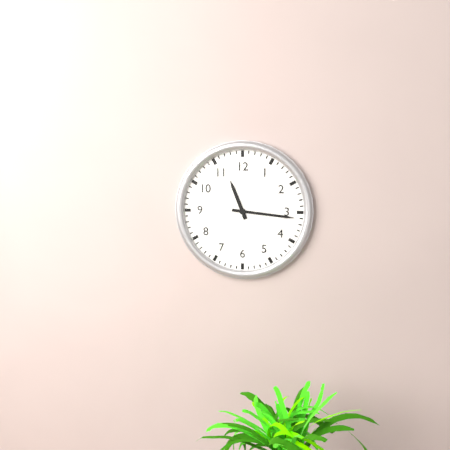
11:16
